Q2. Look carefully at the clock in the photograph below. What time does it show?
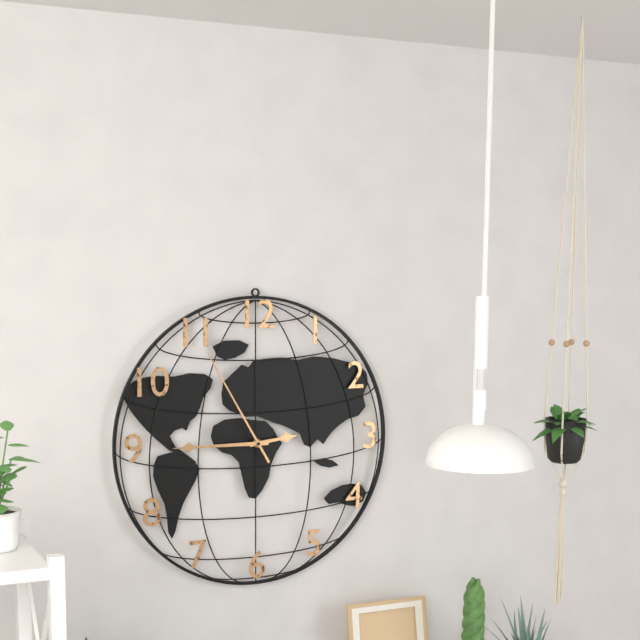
2:45:55
